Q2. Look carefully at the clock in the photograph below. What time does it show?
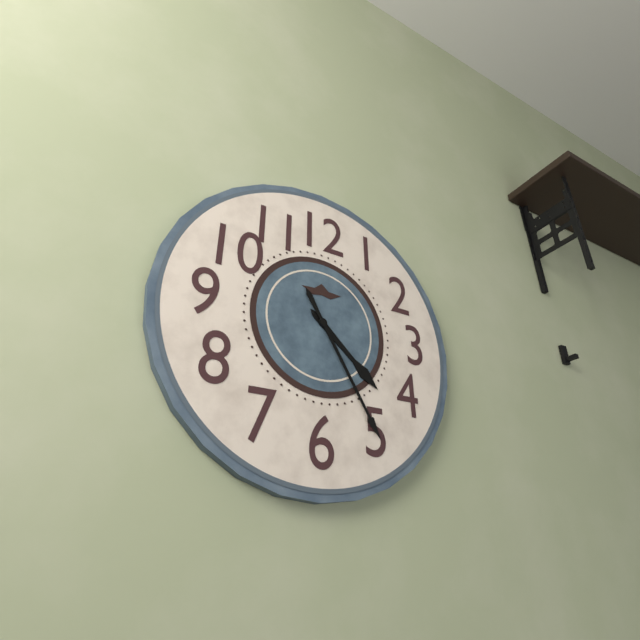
4:25
